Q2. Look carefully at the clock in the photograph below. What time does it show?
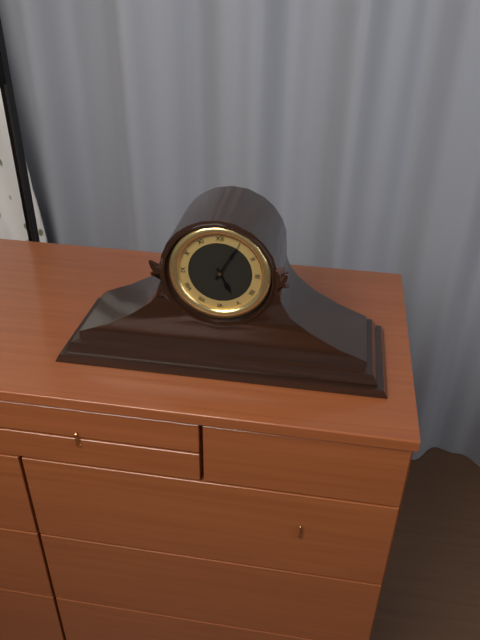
5:05
